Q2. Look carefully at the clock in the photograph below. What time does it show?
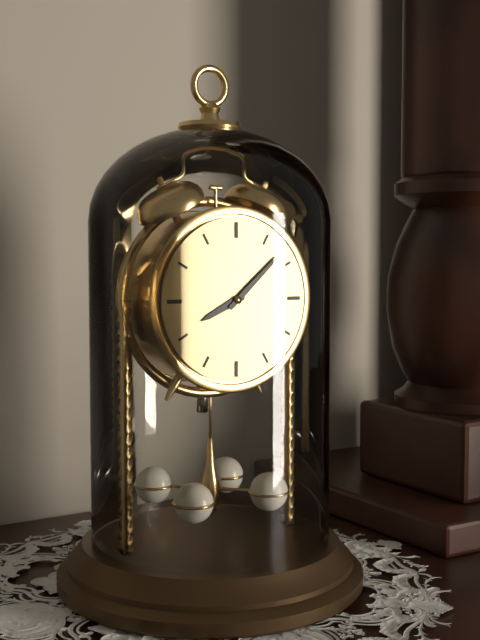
8:08
